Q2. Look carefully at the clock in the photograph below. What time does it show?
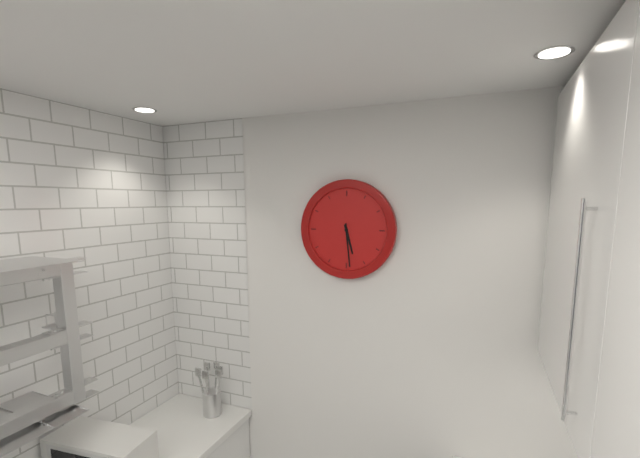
5:29
